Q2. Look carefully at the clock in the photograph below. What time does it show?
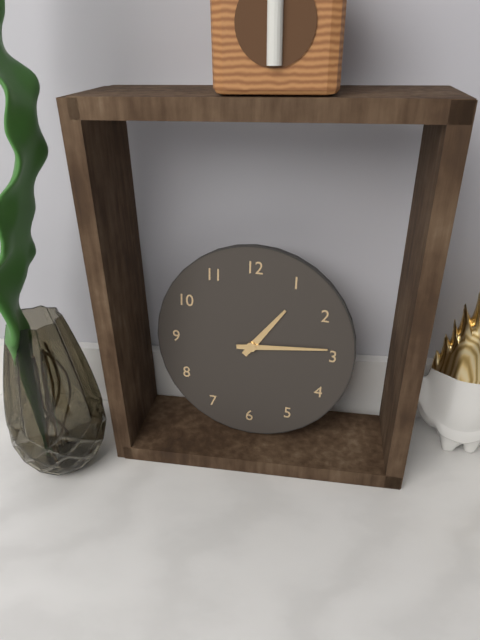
1:14
